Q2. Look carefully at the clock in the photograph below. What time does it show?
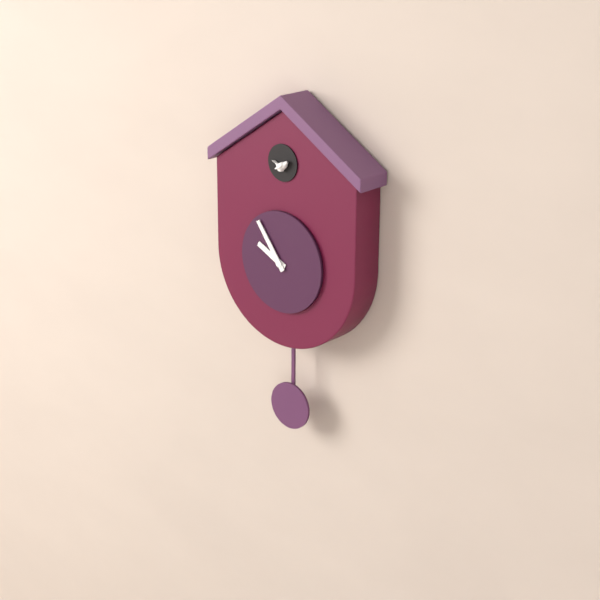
9:54
